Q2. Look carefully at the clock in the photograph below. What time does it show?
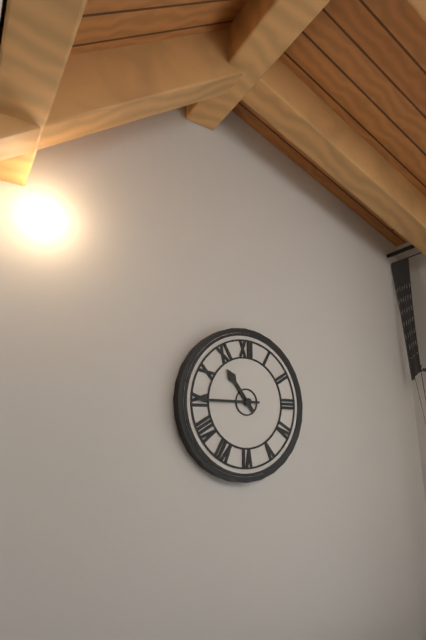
10:45
